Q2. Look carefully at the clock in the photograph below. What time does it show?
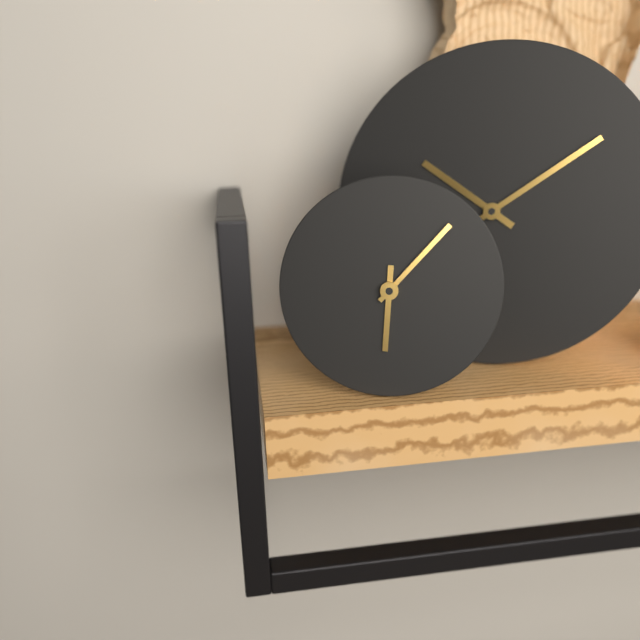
6:07
